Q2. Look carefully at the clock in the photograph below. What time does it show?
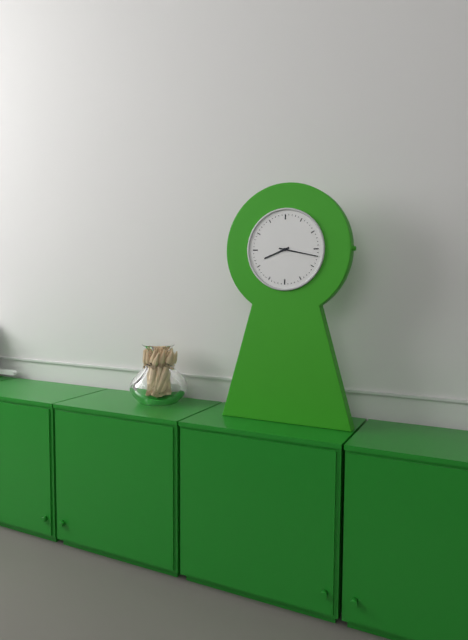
8:17
